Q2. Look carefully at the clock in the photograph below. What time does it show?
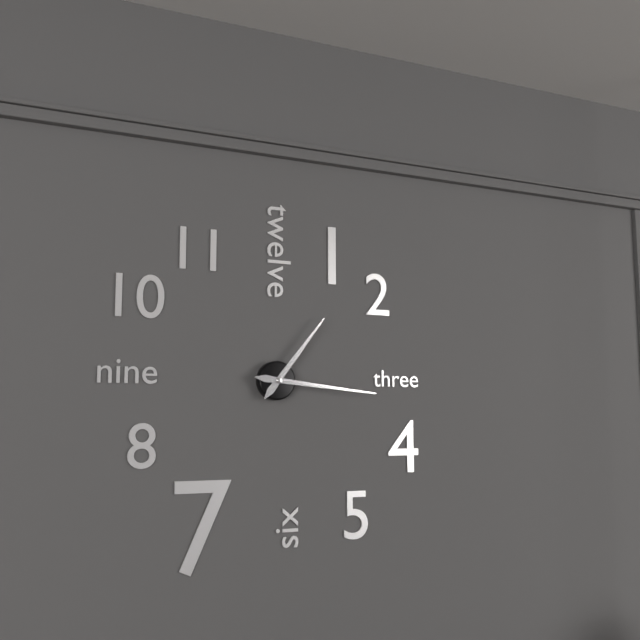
1:16
